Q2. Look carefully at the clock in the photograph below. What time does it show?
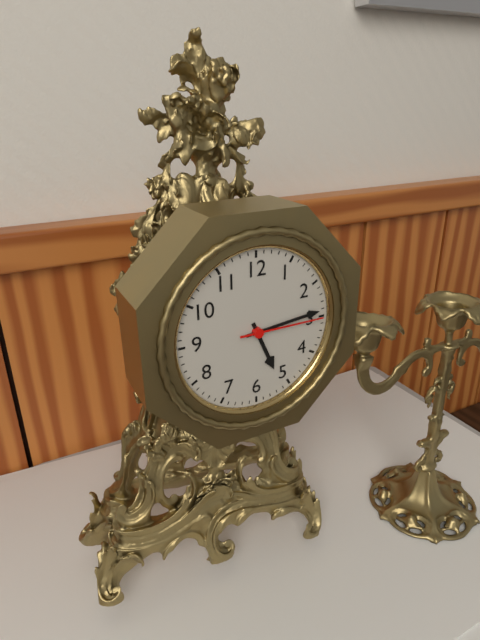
5:14:15
